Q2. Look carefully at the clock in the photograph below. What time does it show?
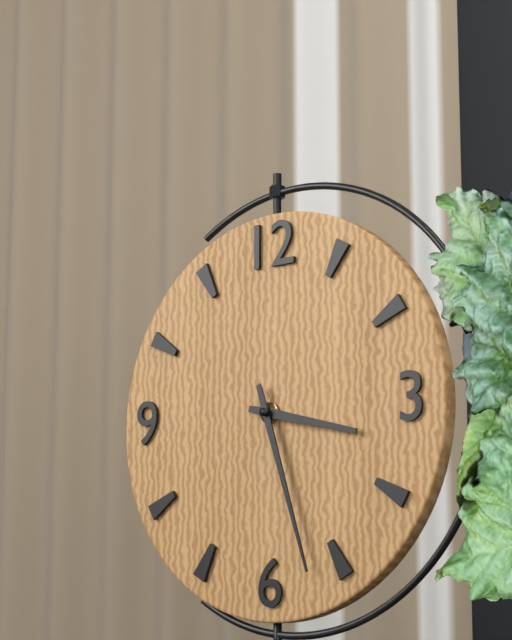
3:27
